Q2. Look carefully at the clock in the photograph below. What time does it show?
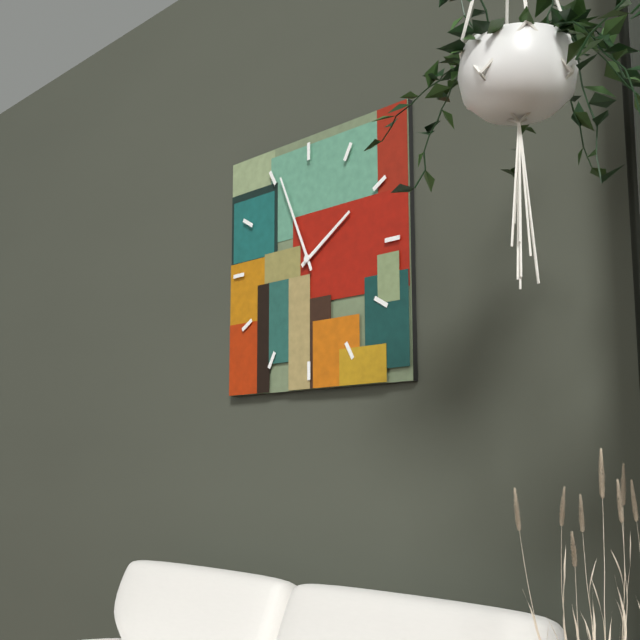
1:56
